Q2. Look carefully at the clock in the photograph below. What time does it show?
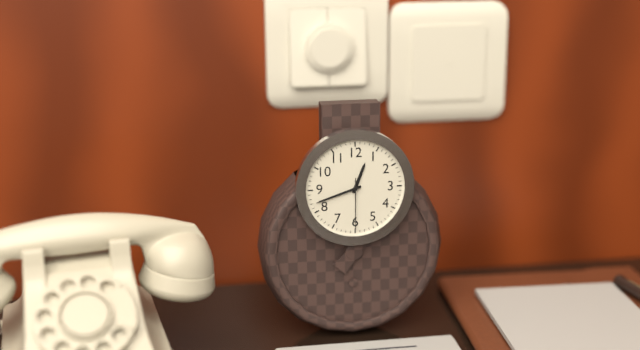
12:42:30
